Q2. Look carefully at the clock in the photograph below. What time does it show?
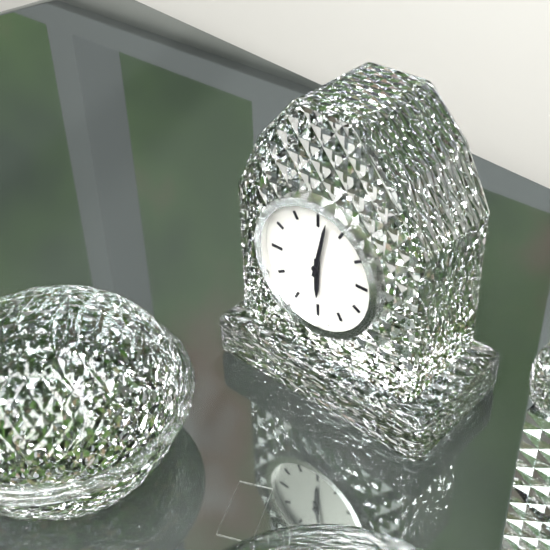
6:02
